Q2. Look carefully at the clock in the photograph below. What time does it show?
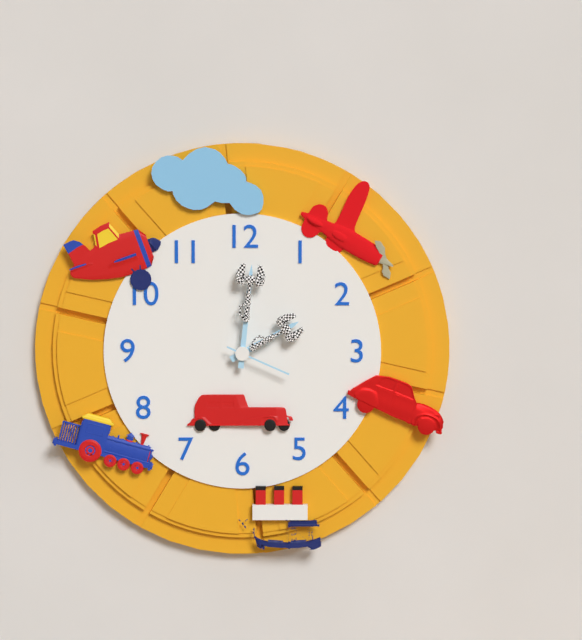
2:01:19
